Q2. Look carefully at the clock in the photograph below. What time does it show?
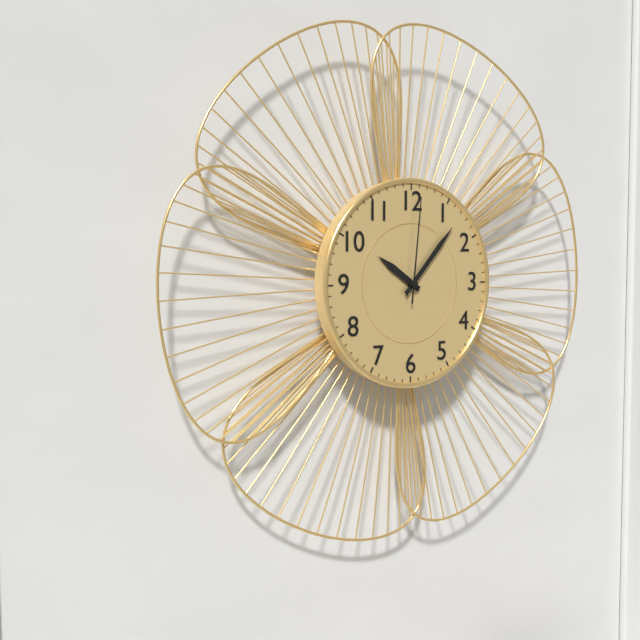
10:07:01
